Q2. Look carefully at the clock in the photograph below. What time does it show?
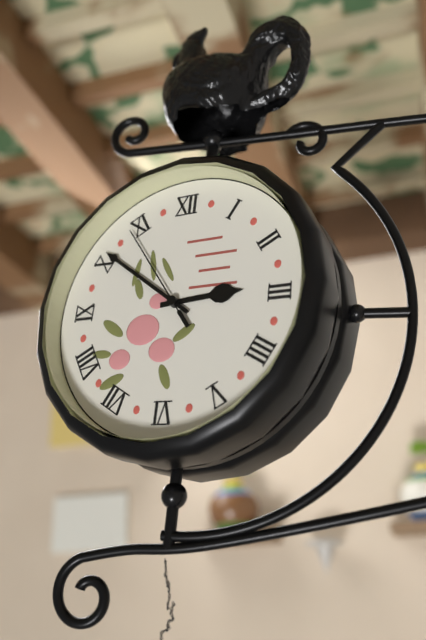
2:51:54
